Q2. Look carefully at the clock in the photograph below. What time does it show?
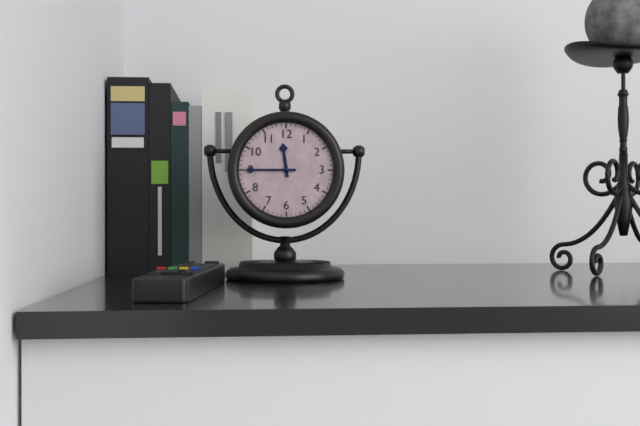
11:45
